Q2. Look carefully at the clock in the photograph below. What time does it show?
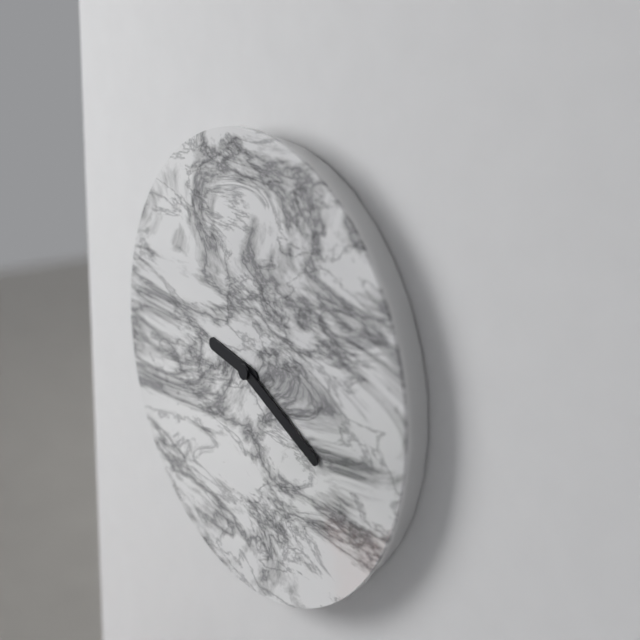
9:19
